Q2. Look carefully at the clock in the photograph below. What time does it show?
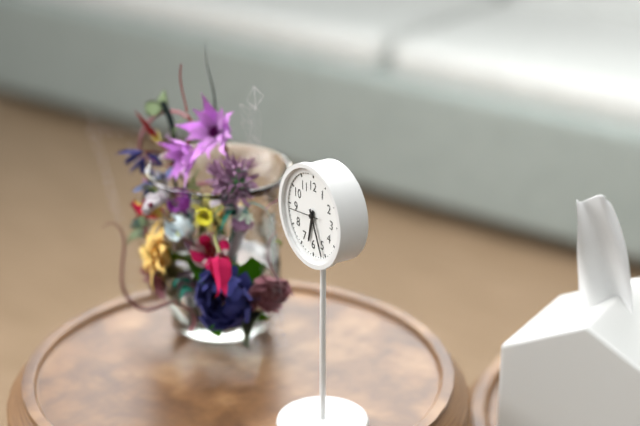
6:26
